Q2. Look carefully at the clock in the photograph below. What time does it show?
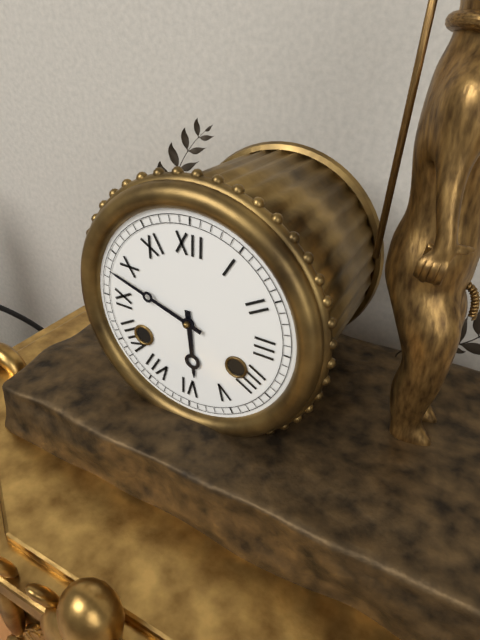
5:48
